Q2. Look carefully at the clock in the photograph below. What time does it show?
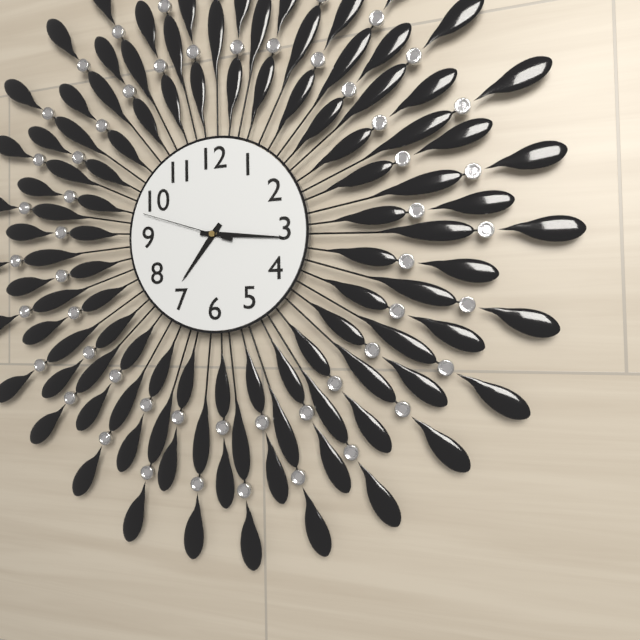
7:16:48
